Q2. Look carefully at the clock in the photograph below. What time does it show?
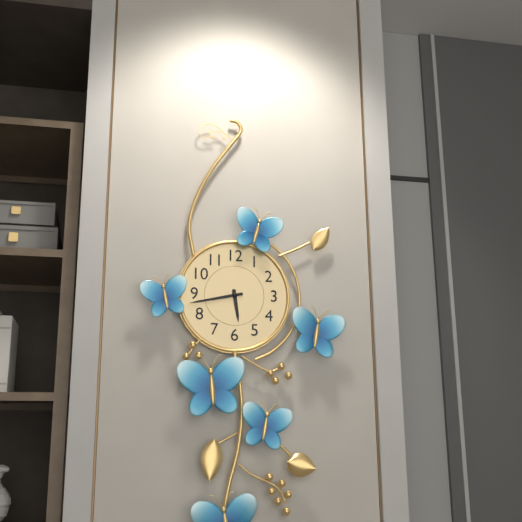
5:43
